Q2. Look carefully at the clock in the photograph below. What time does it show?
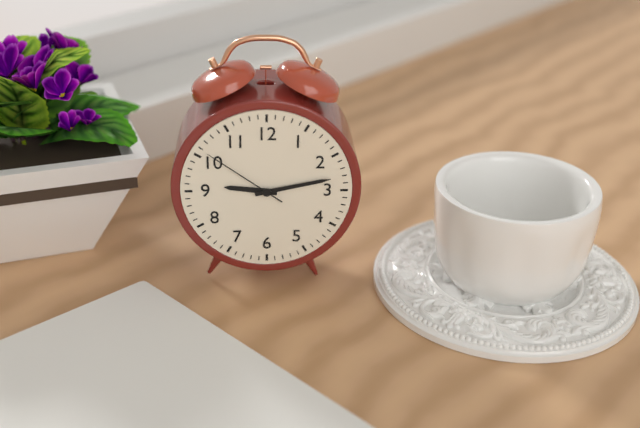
9:13:51
